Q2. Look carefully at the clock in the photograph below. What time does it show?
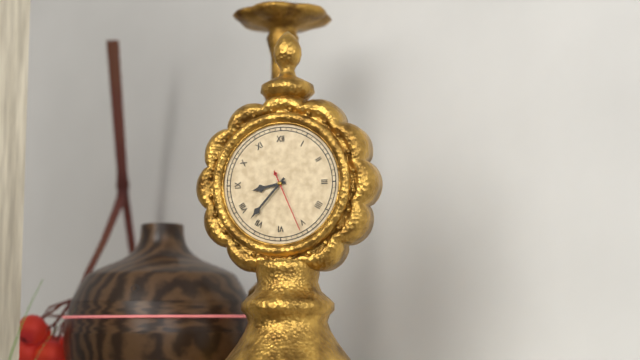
8:37:26
